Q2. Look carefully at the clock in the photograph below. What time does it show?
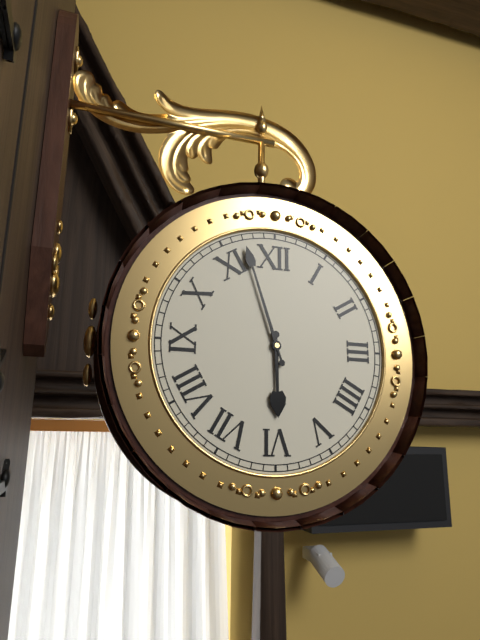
5:57
